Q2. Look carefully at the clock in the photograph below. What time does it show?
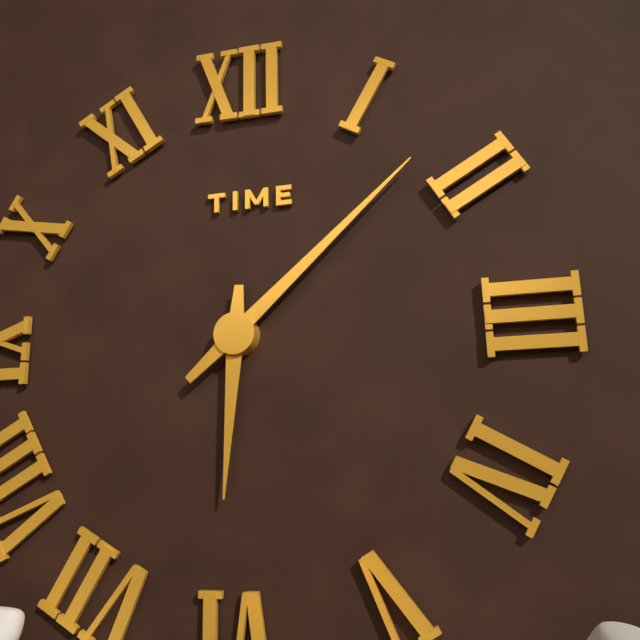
6:08
